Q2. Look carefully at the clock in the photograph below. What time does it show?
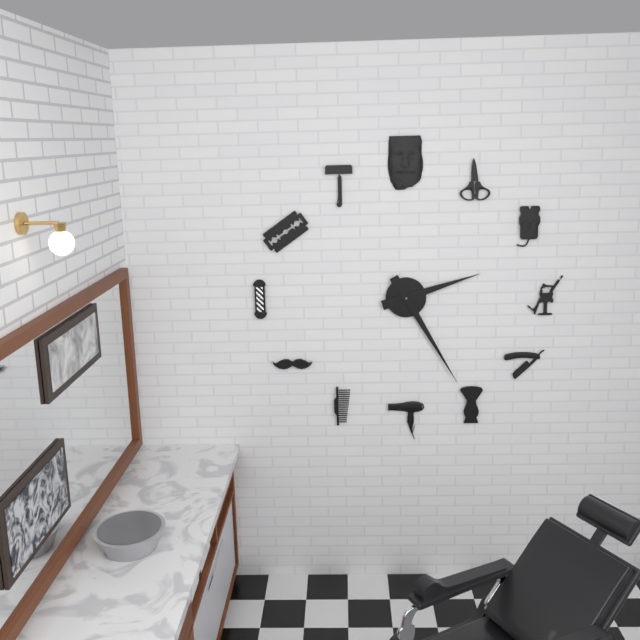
2:25
